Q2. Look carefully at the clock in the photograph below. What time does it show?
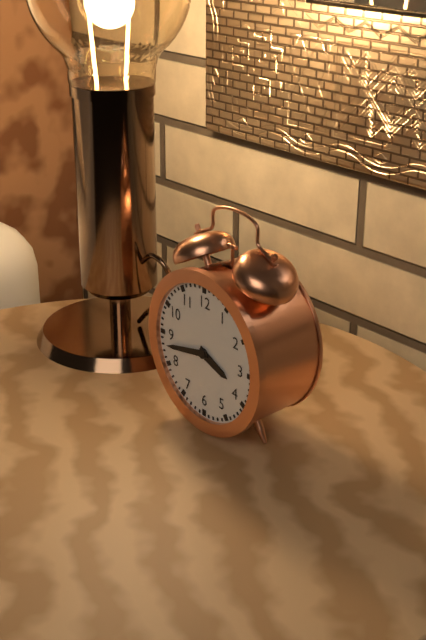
3:43
